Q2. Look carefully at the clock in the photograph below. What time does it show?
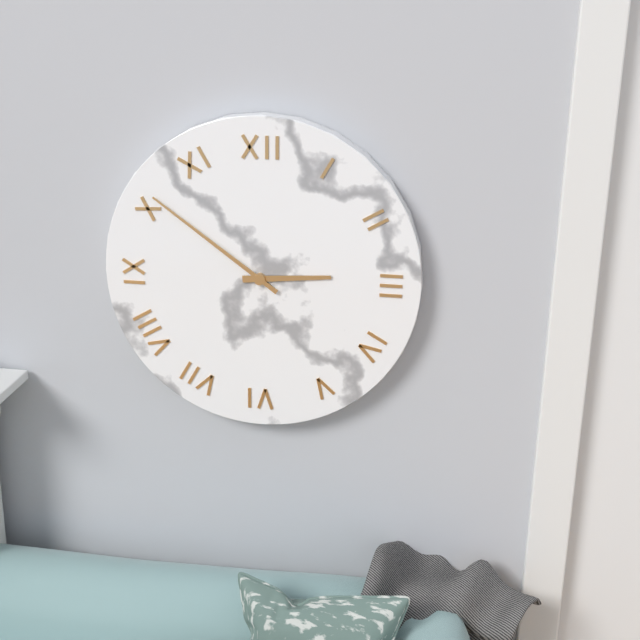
2:51
